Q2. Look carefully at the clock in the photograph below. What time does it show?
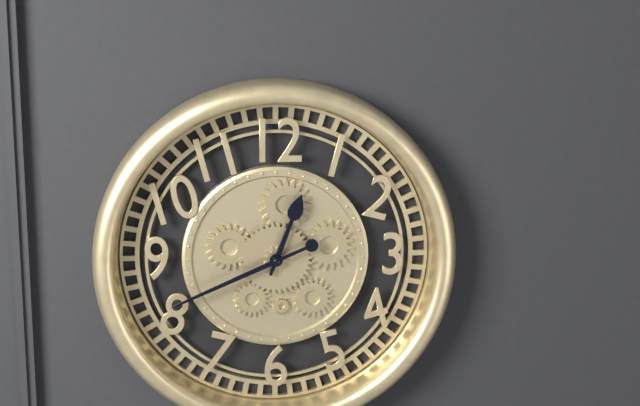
12:41
